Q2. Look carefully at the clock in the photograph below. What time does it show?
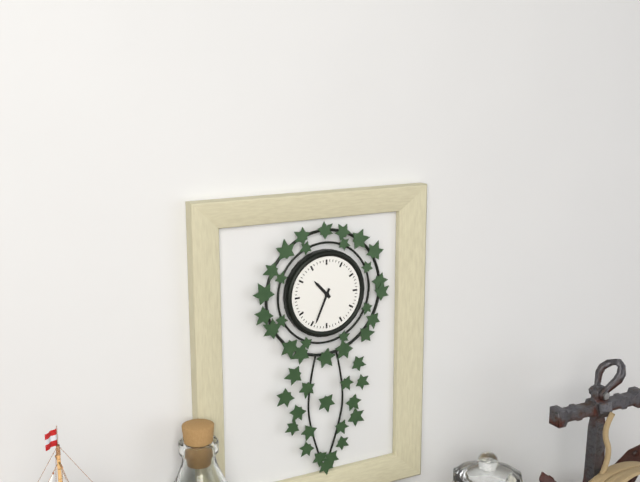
10:34
